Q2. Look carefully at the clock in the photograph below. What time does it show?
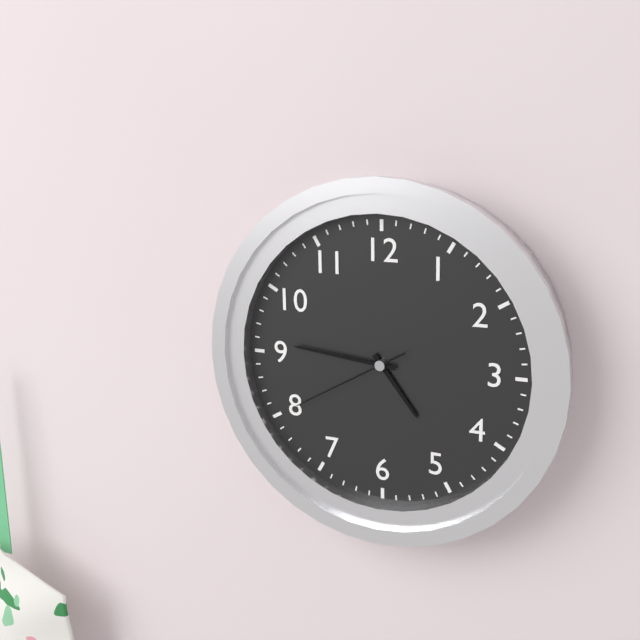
4:46:40
